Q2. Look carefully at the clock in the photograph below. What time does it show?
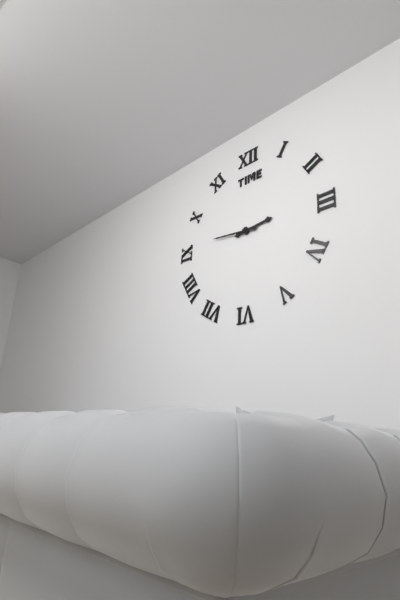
2:46
